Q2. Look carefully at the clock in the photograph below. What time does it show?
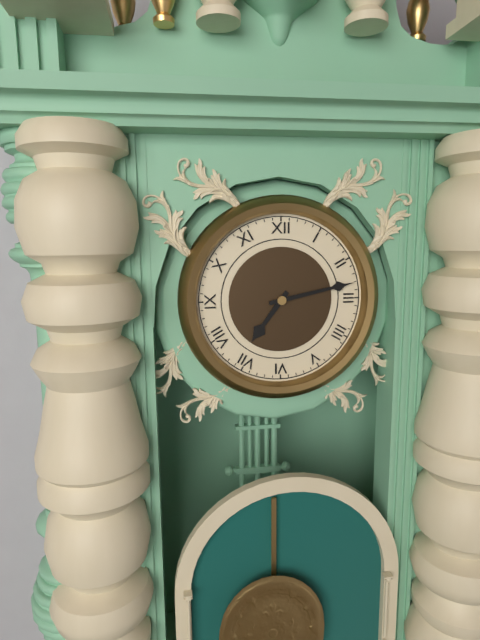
7:13
